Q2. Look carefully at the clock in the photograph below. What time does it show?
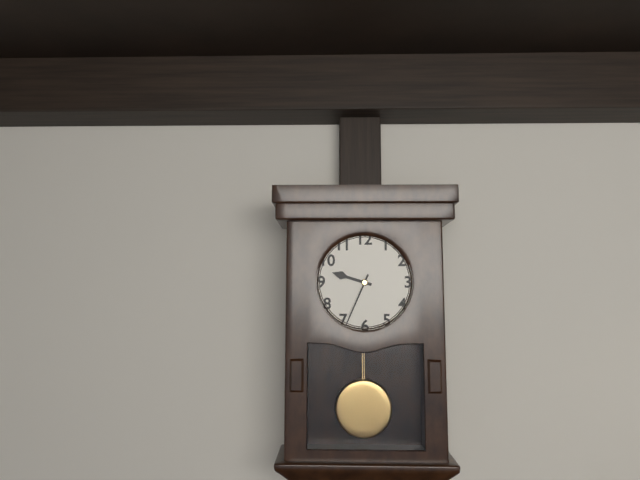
9:34
